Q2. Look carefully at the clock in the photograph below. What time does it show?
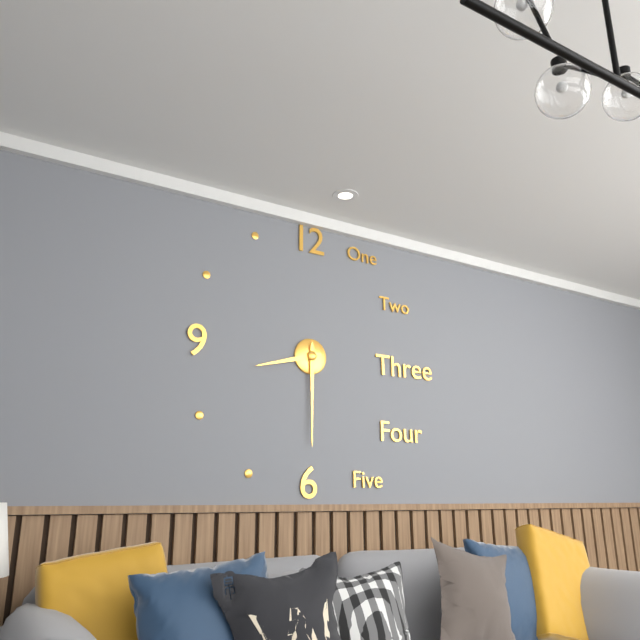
8:30
